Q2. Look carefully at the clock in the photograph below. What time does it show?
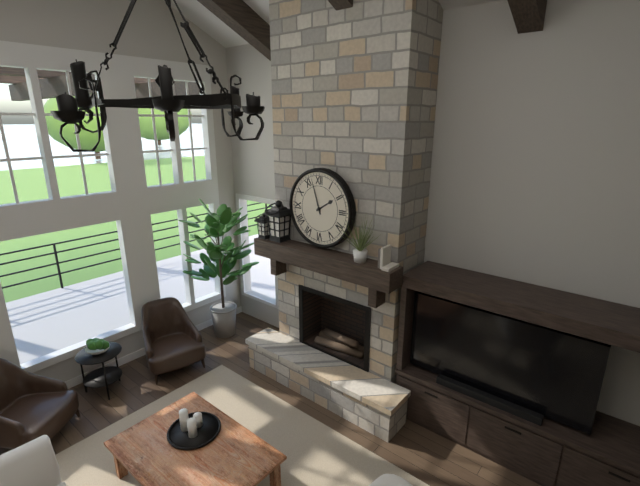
1:57
